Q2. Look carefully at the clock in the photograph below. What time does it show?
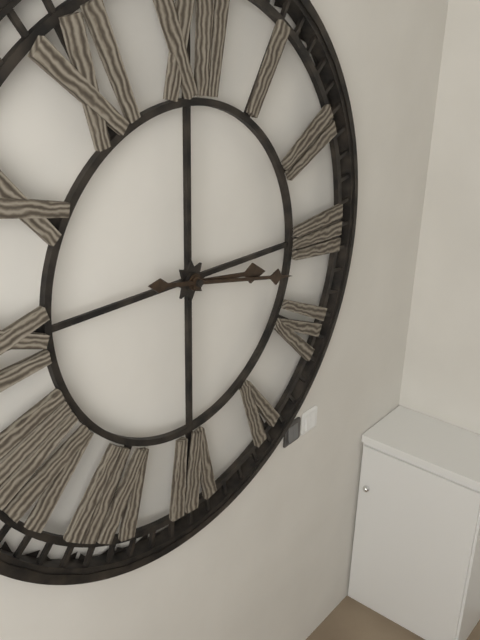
3:17
